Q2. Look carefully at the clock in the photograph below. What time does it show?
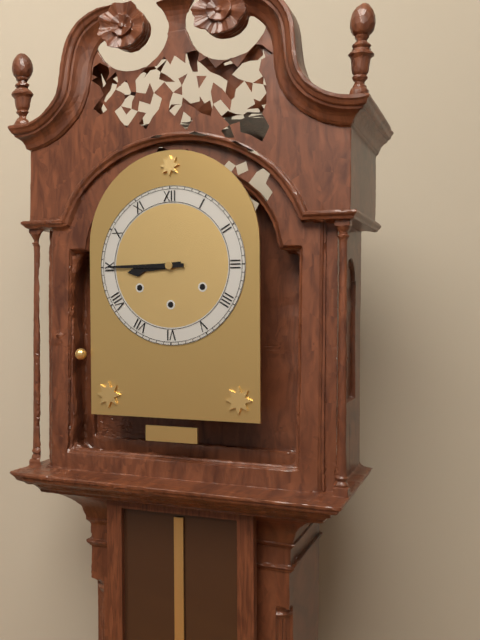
8:45
